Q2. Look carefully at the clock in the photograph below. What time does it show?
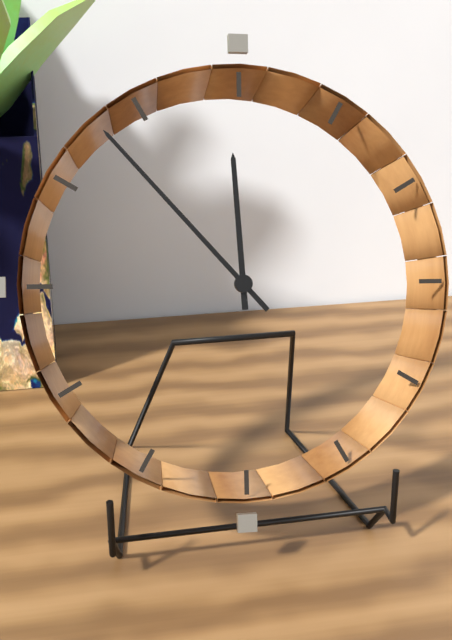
11:53
